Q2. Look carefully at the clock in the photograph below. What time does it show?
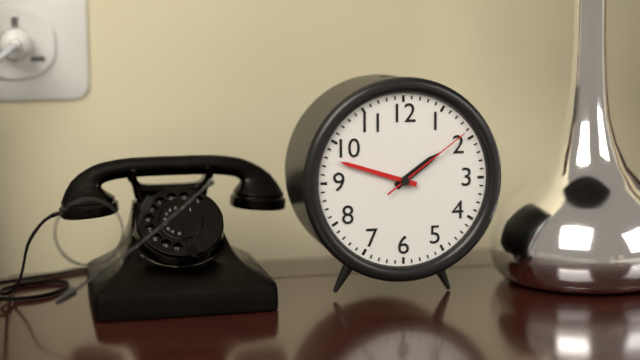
1:48:09
